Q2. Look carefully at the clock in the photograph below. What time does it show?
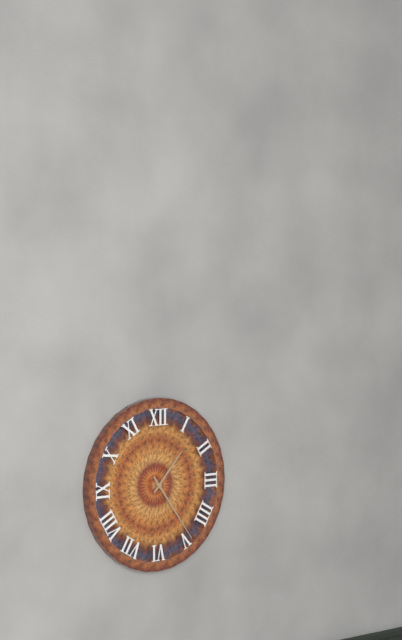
1:24
